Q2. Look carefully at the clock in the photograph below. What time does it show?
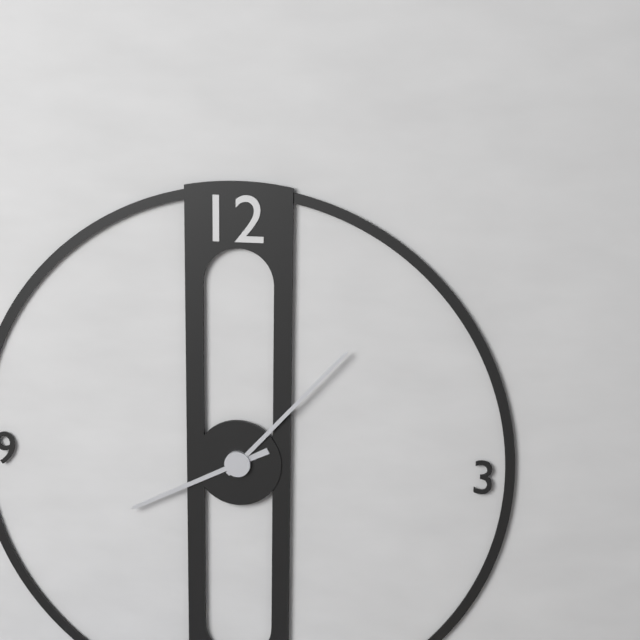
8:07
